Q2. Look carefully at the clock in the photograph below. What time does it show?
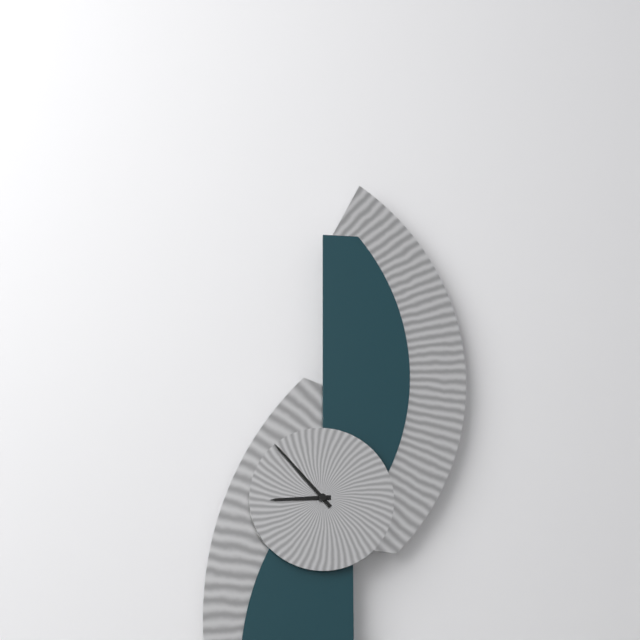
8:53
